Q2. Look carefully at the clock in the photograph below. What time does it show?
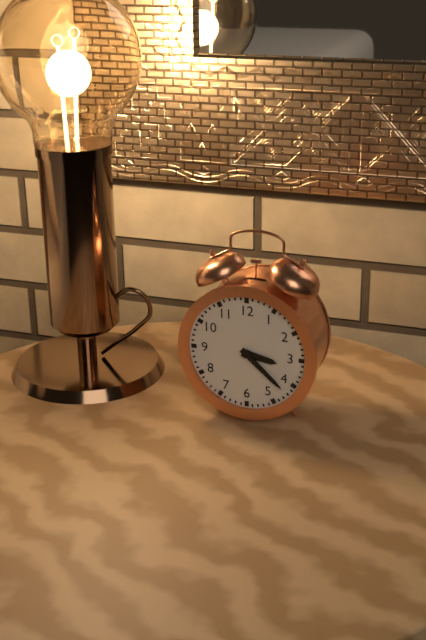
3:22
